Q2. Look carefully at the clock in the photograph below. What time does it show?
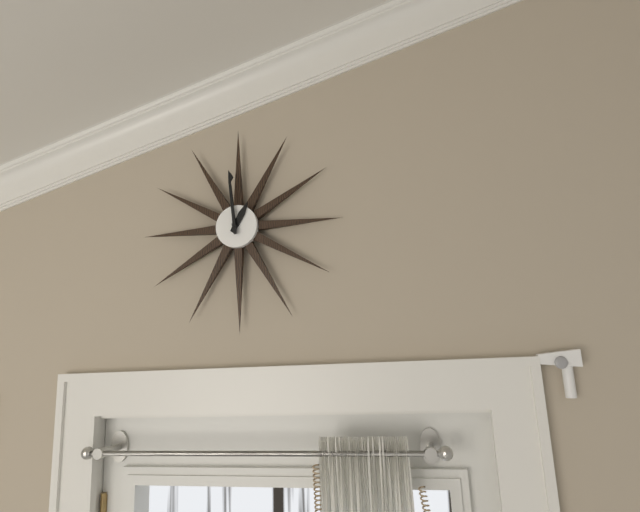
12:59
